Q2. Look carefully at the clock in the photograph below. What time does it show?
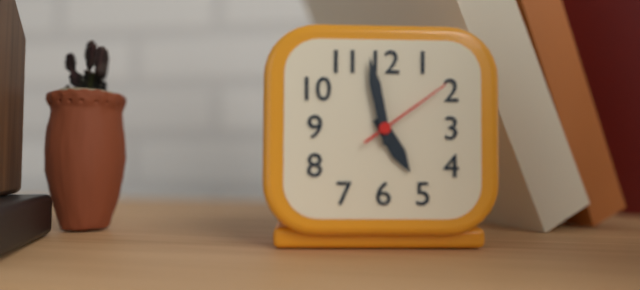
4:58:09
